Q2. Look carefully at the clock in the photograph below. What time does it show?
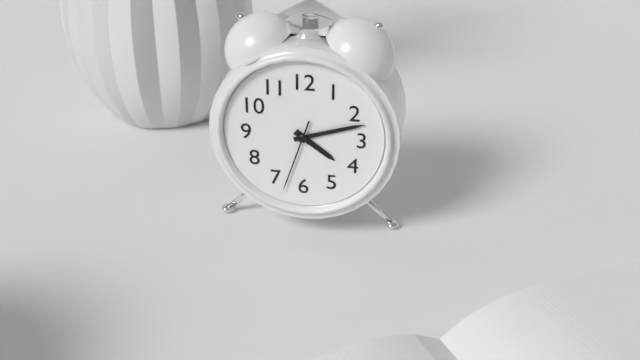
4:12:33
